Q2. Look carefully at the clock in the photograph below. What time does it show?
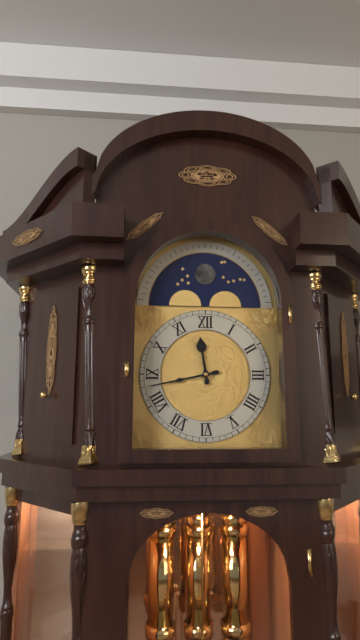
11:43
